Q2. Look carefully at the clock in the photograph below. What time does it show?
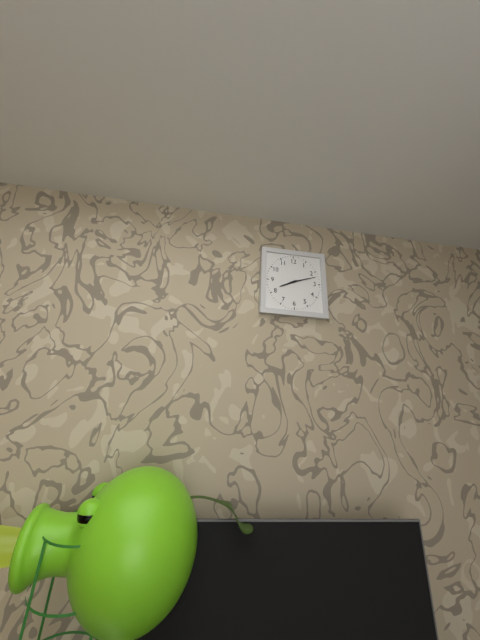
8:12
